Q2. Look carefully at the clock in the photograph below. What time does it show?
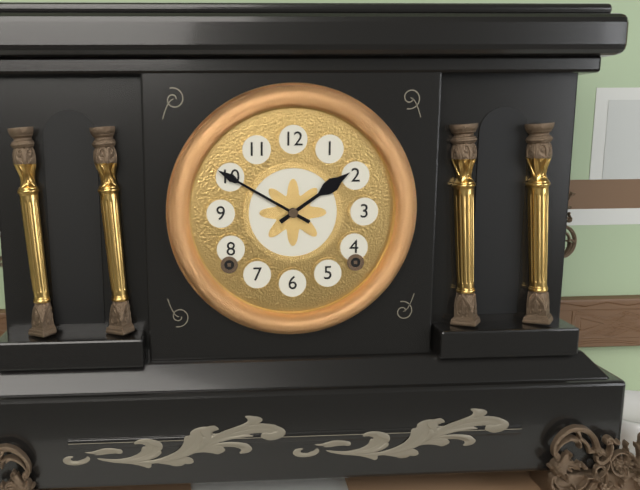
1:50
